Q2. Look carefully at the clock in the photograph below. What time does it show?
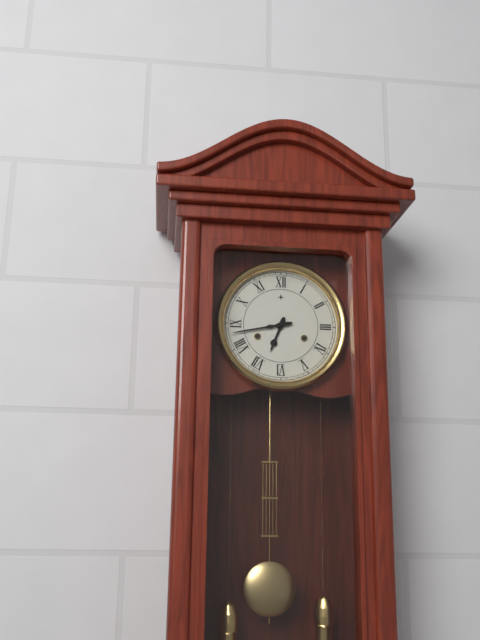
6:43
